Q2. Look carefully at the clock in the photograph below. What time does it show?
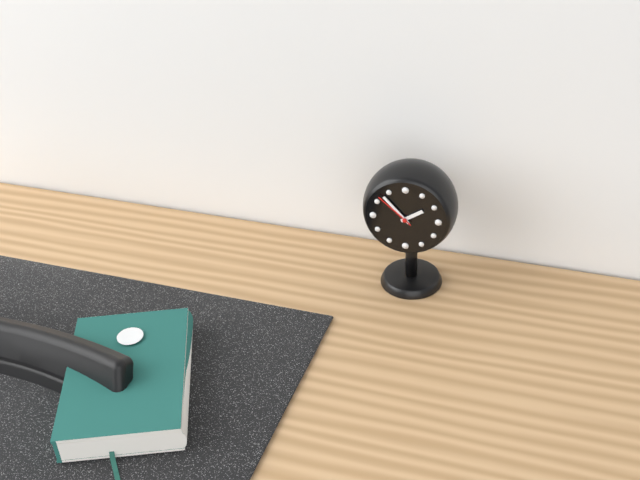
1:53
